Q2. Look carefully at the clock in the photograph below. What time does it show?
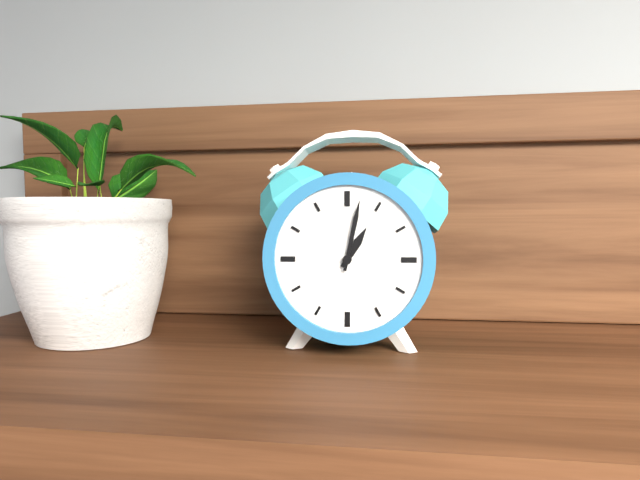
1:02
